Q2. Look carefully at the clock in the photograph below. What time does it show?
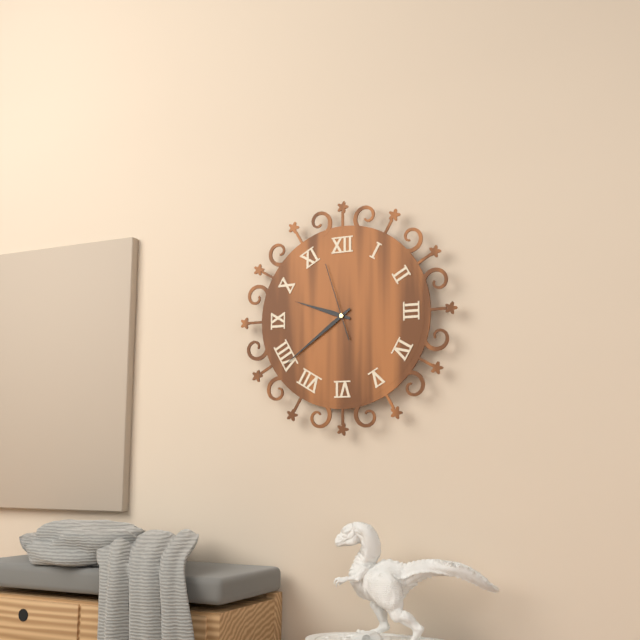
9:39:57
